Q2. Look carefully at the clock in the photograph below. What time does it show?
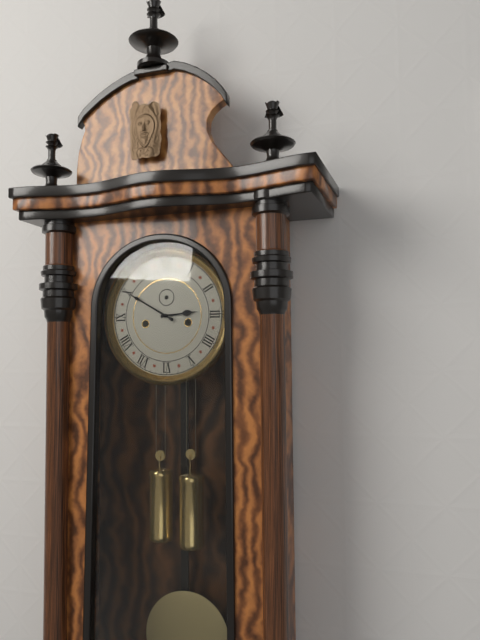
2:50
